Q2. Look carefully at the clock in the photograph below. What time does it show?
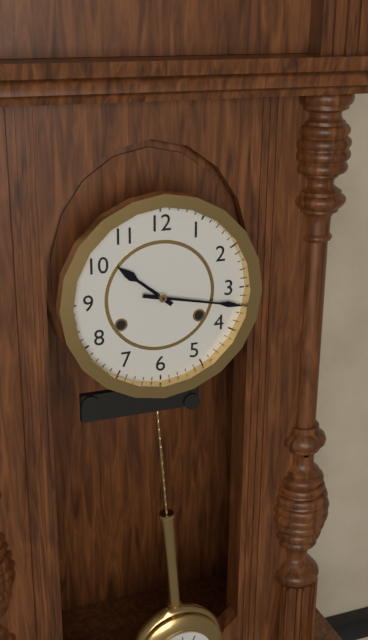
10:17
